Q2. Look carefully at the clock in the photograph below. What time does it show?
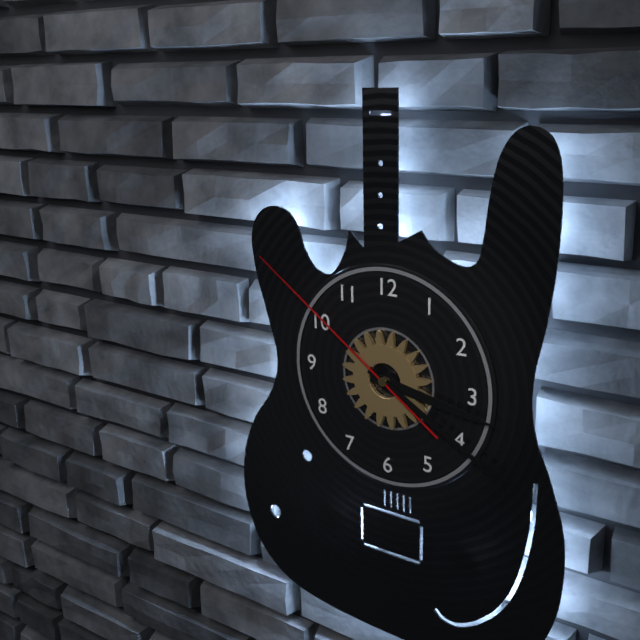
3:20:51
